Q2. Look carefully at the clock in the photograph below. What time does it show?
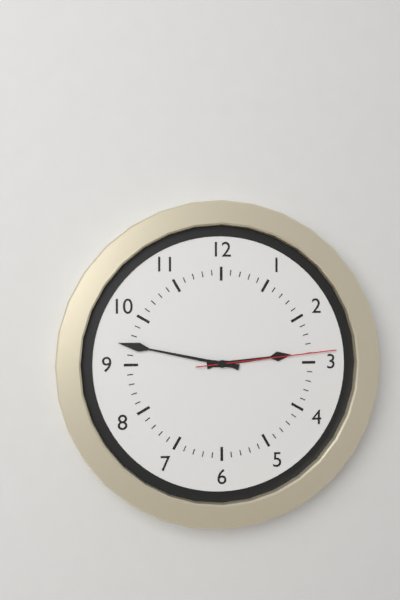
2:47:14
